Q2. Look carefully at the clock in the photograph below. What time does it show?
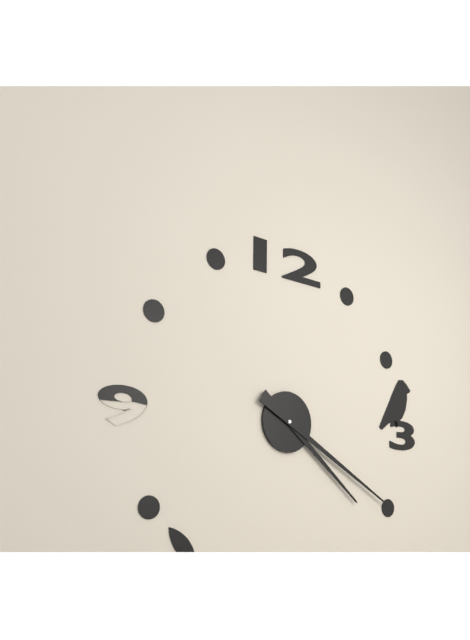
4:20
